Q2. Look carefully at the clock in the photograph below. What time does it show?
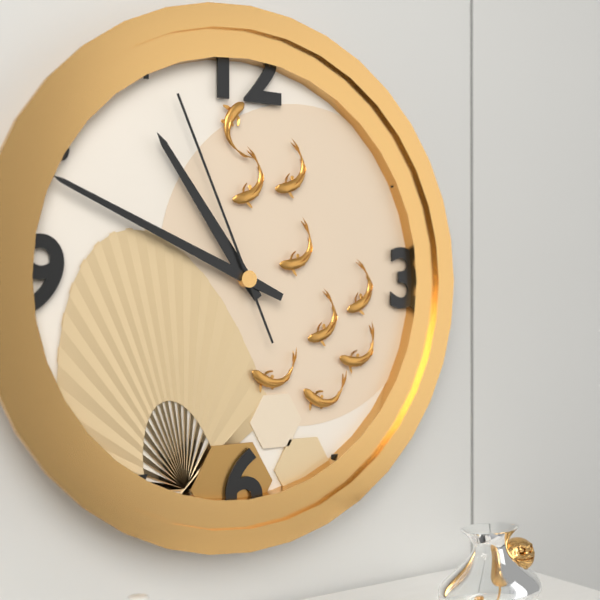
10:49:56
